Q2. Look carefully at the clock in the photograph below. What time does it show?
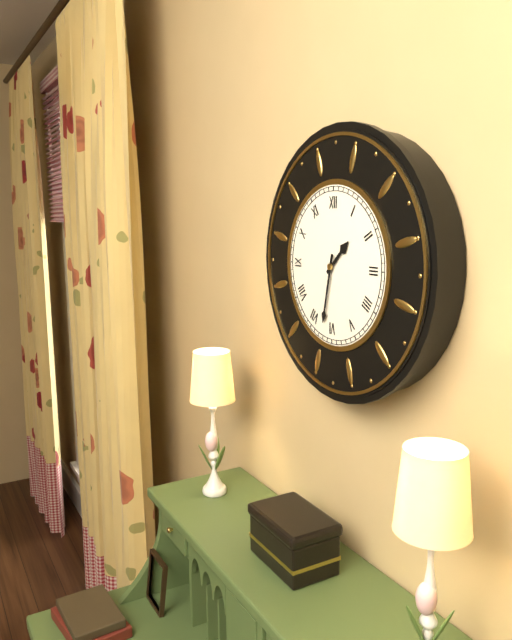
1:32
